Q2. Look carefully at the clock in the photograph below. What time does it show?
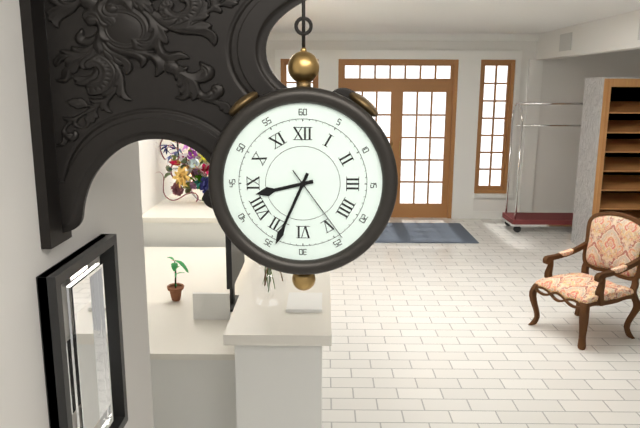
8:34:24
